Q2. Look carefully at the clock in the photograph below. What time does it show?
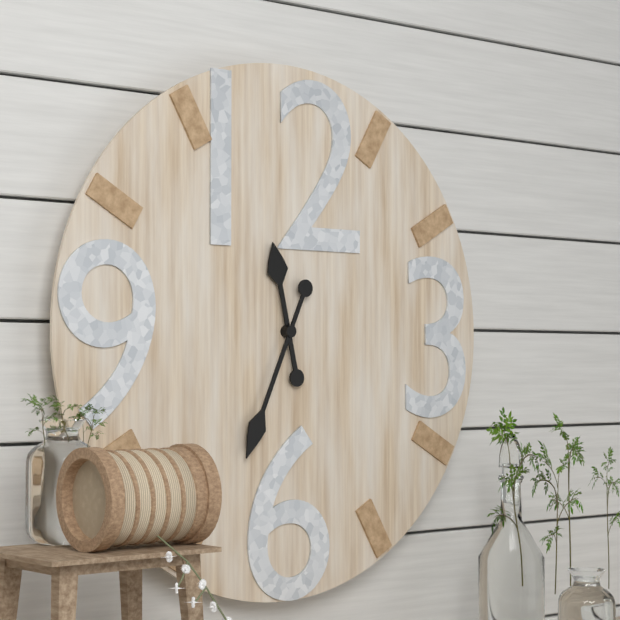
11:34
